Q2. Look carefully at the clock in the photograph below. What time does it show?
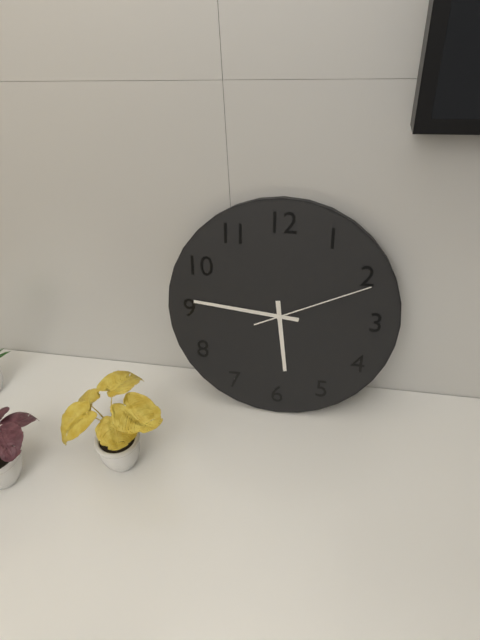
5:46:11
